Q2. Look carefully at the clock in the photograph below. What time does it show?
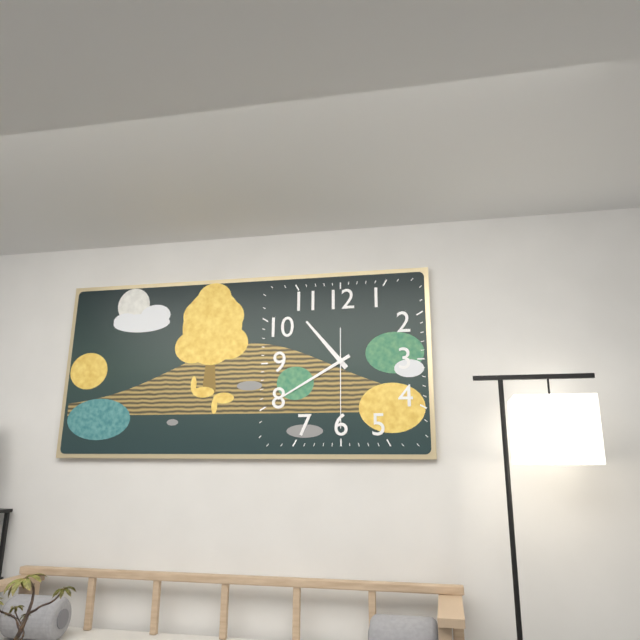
10:40:30
